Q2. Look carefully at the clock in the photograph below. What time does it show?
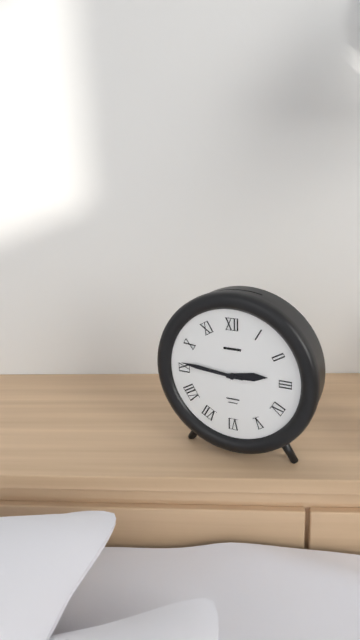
2:46
